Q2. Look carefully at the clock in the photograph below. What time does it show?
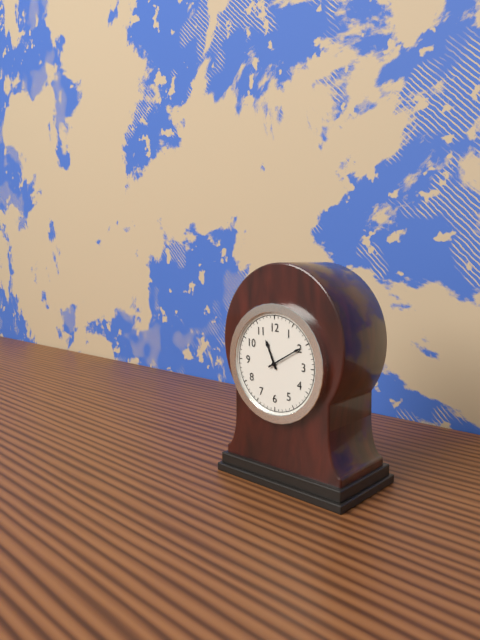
11:10
